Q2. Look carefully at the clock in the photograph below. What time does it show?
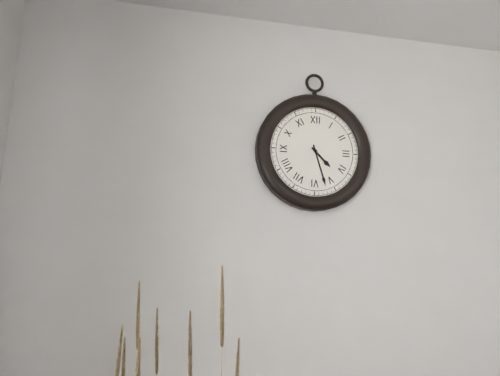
4:27
